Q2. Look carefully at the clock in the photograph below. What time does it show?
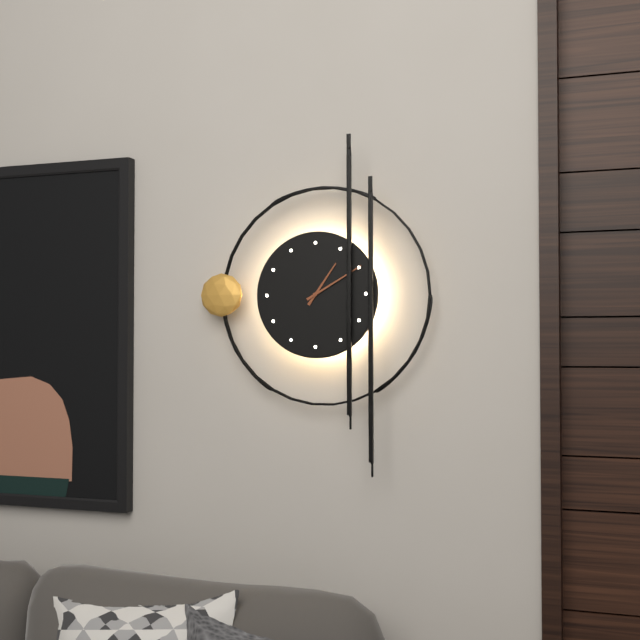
1:10
